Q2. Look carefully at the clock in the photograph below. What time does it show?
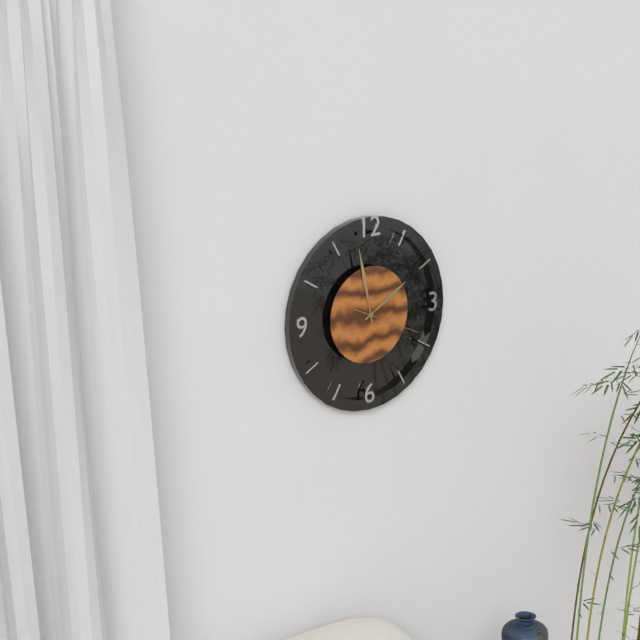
1:58:19
